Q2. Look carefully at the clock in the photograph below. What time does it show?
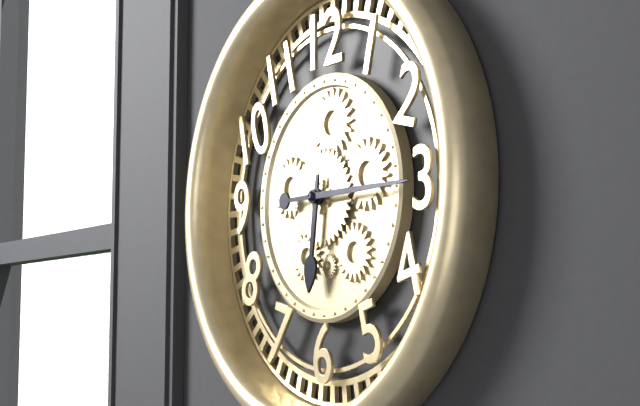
6:15
